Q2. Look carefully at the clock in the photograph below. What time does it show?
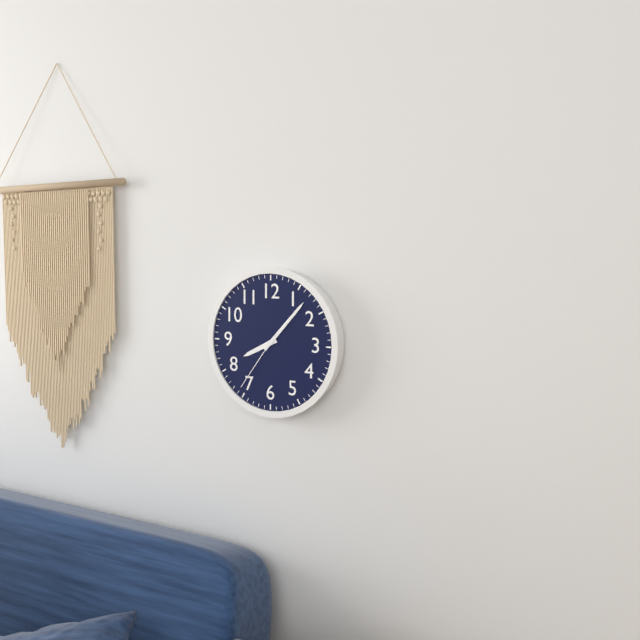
8:07:36
